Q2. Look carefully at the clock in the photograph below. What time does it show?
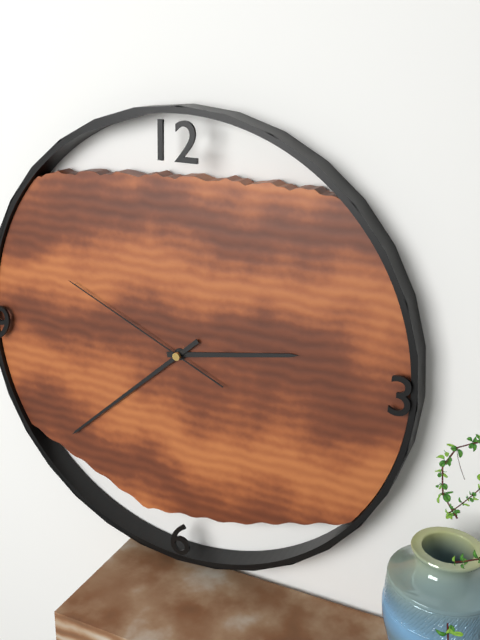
2:38:49
